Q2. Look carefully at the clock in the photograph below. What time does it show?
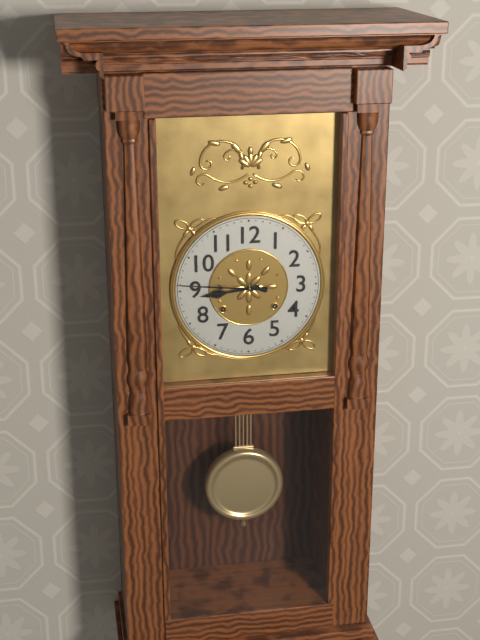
8:46
